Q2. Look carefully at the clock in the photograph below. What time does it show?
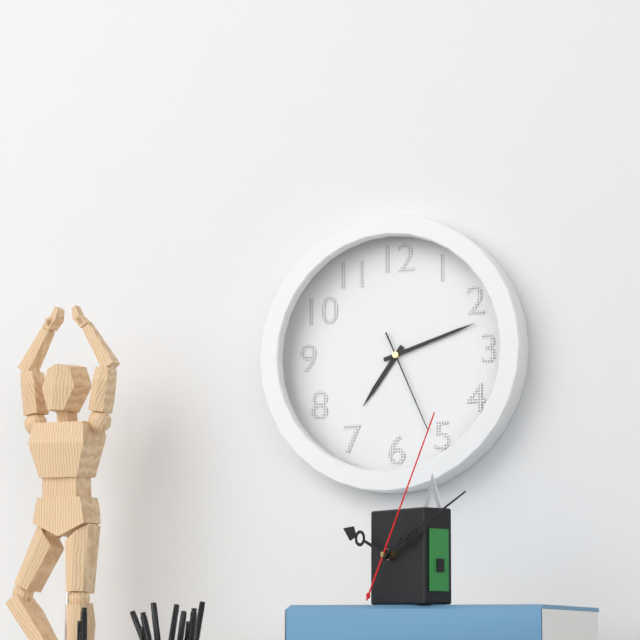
7:12:26
